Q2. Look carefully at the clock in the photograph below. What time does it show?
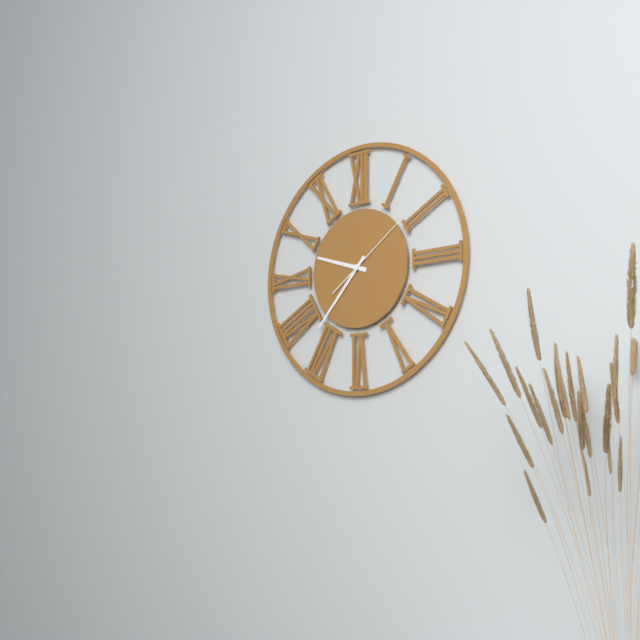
9:37:09
